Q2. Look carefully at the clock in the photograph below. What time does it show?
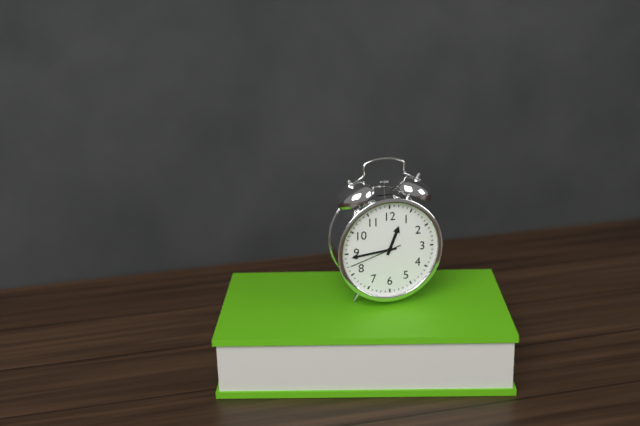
12:44:42
